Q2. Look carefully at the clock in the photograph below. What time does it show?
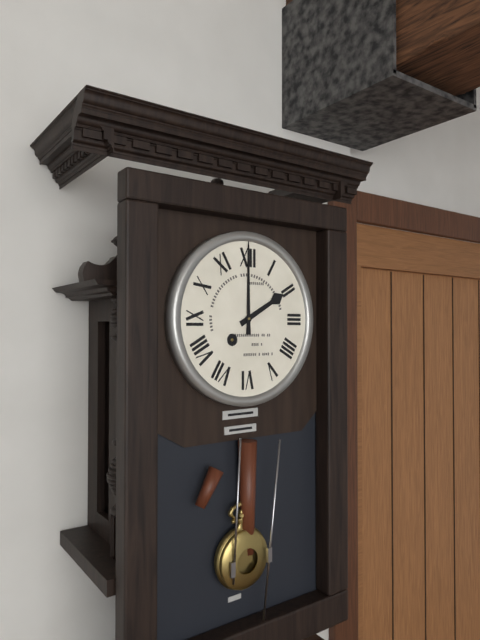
2:00
